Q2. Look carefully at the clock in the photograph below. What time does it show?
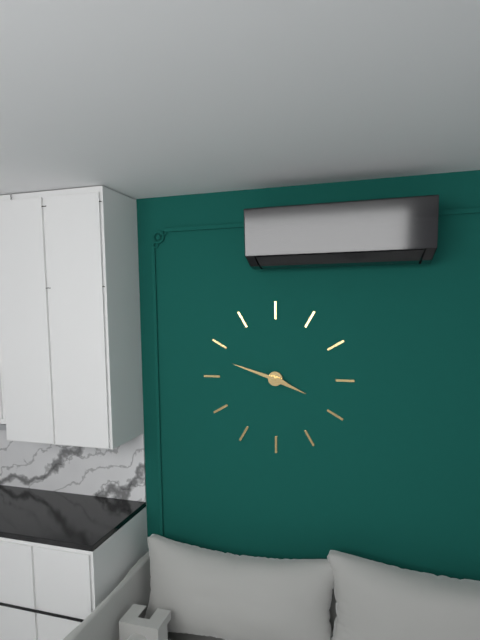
3:48
